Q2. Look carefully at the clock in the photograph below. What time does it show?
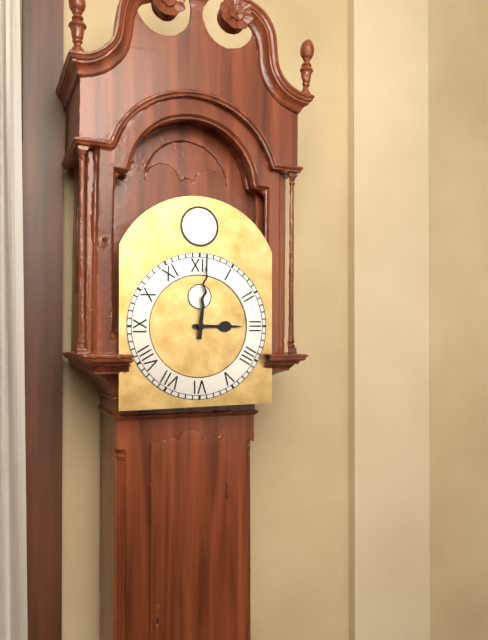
3:01
